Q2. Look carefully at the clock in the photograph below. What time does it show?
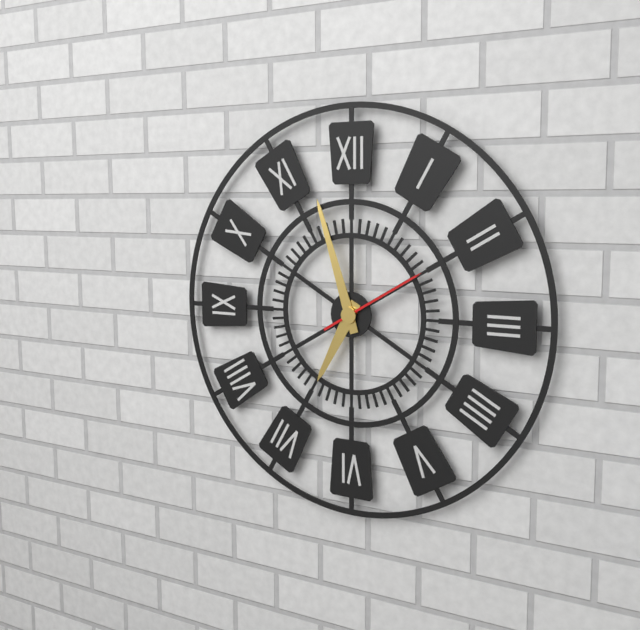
6:57:10
